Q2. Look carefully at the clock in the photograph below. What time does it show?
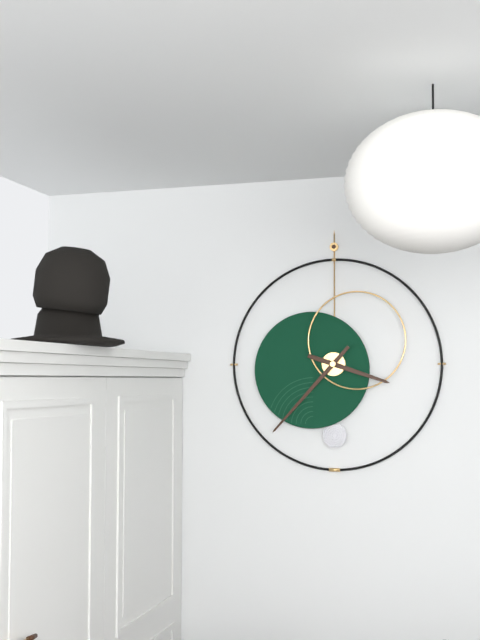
3:37
